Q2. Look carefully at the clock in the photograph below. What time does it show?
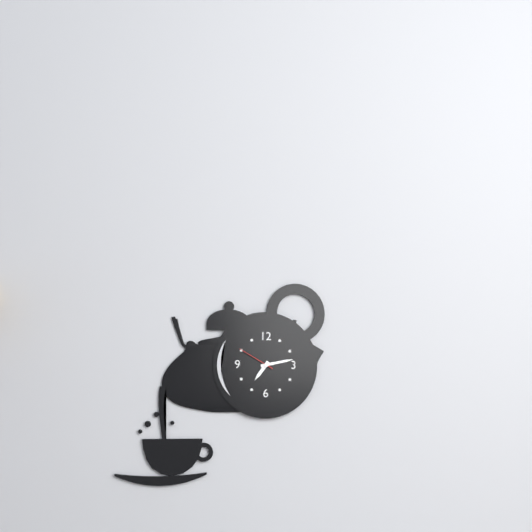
7:13
